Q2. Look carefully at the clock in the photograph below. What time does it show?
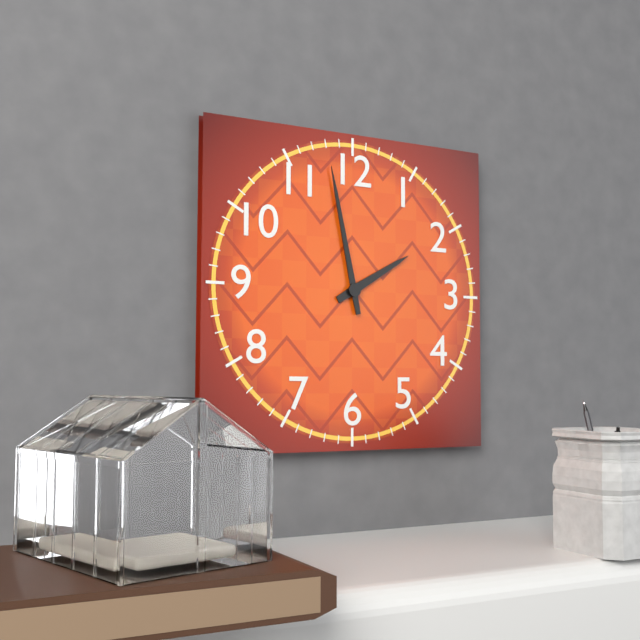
1:58
